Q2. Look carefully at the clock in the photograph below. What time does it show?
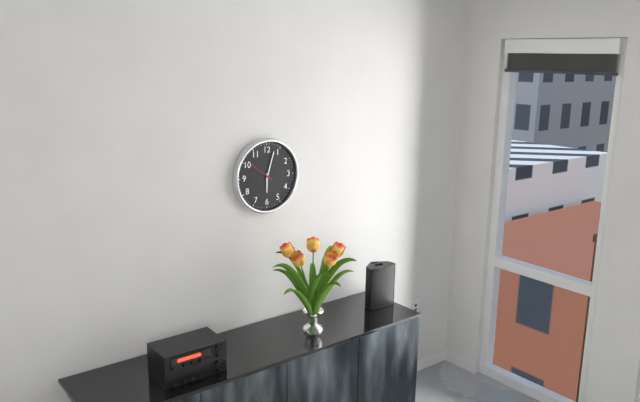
6:03
